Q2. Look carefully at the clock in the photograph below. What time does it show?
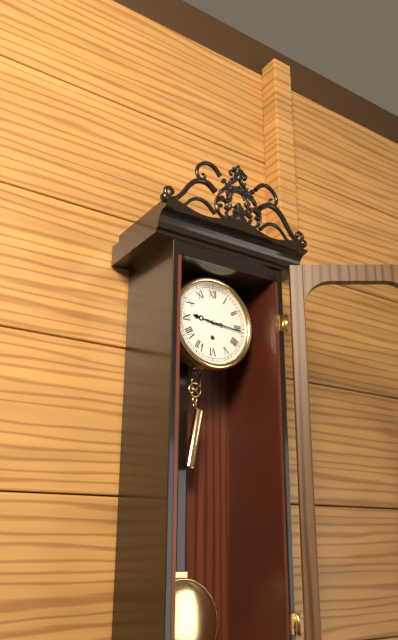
9:16
